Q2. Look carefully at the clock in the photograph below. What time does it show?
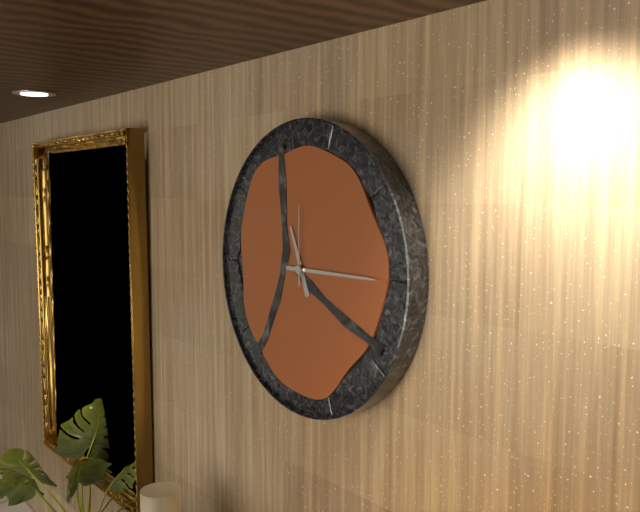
11:15:00
